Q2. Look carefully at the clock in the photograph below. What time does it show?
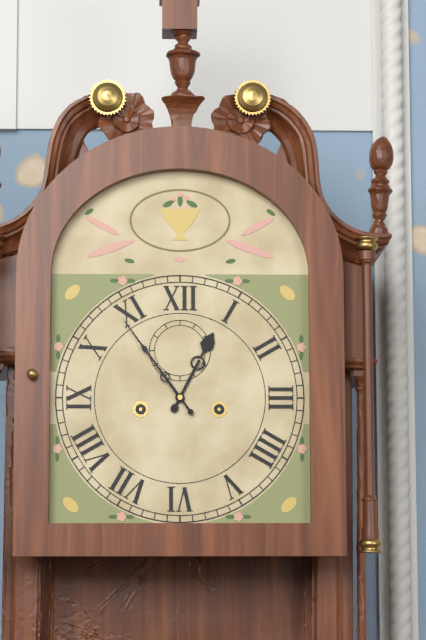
12:54
